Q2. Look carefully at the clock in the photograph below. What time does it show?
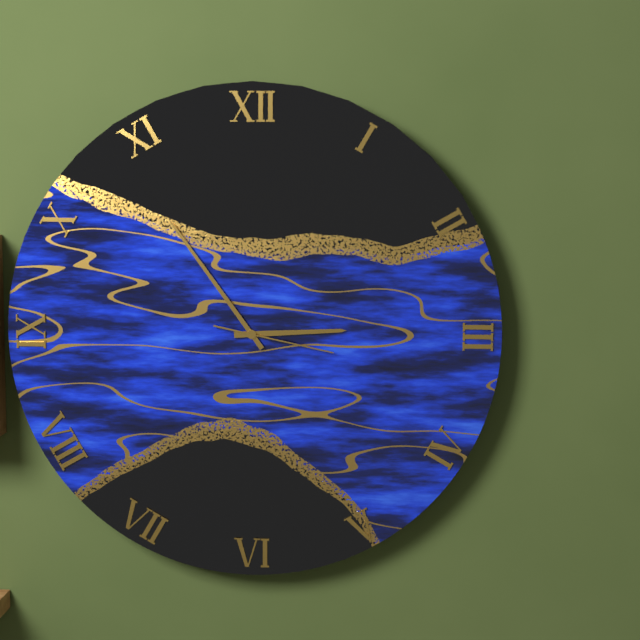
2:54:17
